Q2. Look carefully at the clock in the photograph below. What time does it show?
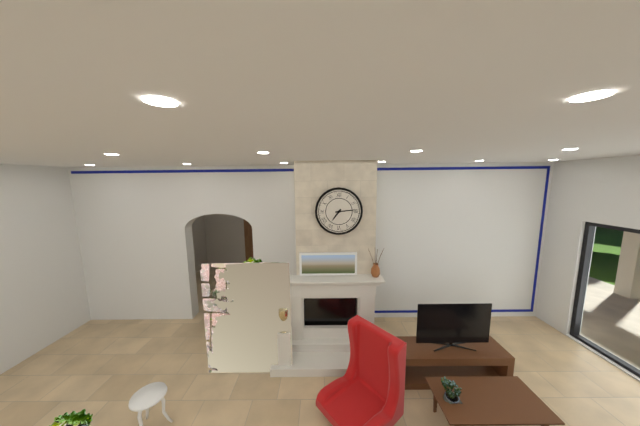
7:14
